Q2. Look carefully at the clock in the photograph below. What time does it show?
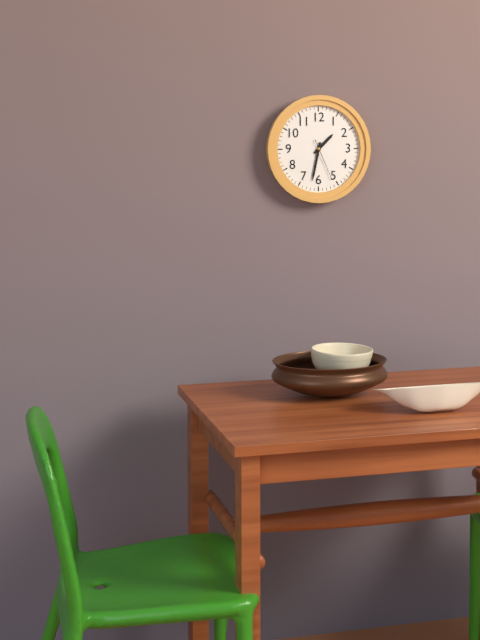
1:32
